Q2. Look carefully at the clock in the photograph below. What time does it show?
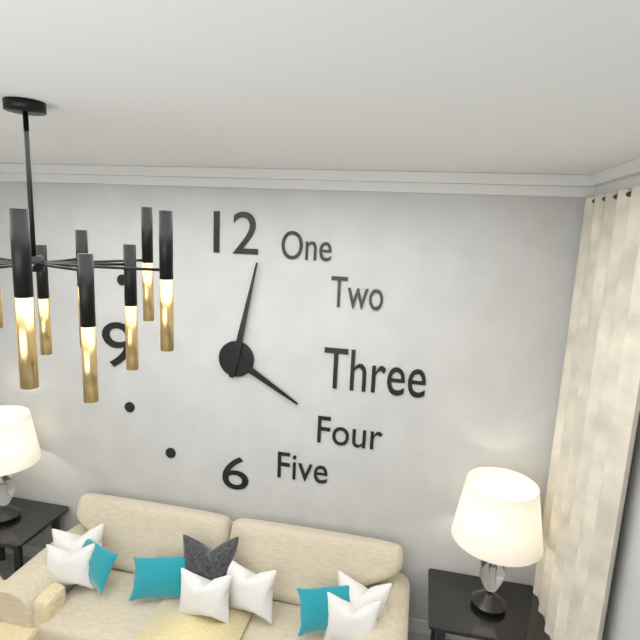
4:02
